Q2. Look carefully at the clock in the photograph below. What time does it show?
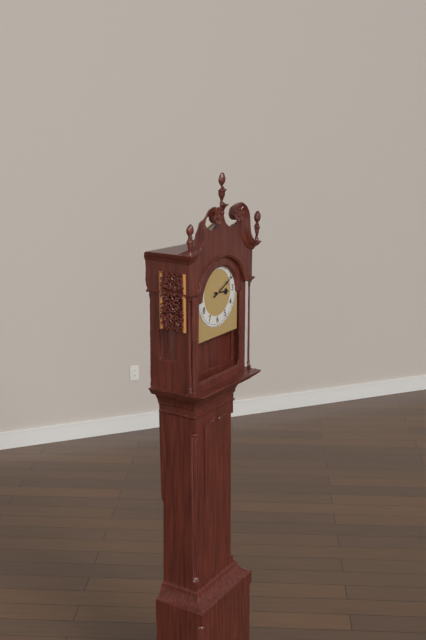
3:11
